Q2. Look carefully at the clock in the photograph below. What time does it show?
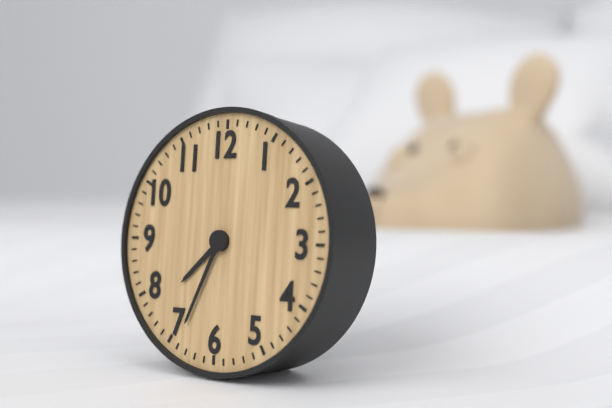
7:34
